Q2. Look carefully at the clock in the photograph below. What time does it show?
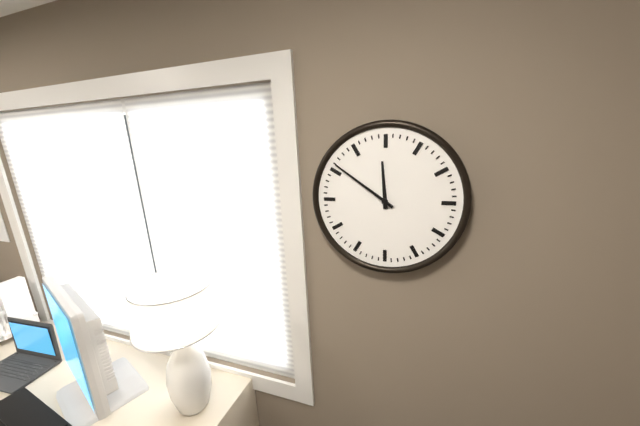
11:51
